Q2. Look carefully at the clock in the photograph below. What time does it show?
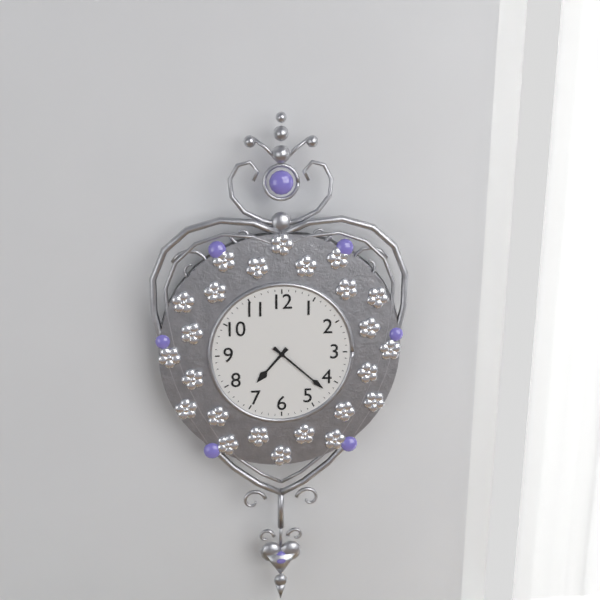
7:22
